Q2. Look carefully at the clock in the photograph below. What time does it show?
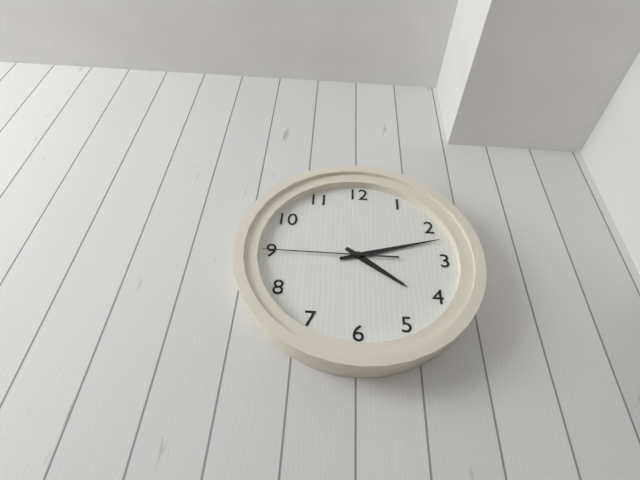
4:12:45
